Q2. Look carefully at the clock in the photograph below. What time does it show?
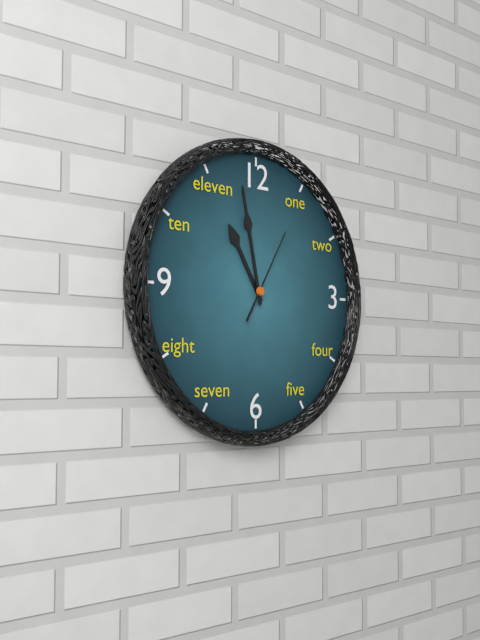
10:58:05
